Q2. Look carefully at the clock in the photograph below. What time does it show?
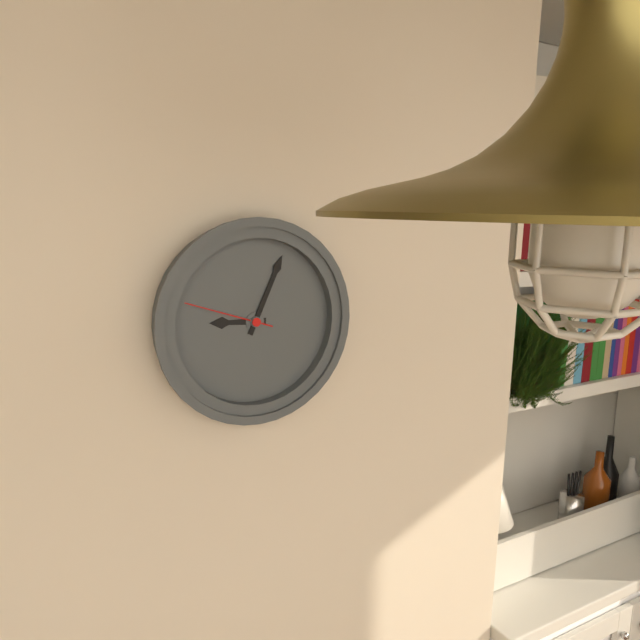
9:04:48
